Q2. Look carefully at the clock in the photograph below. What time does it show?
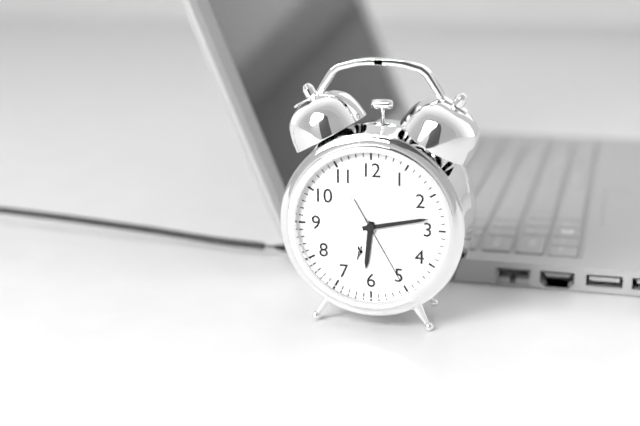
6:13:25
